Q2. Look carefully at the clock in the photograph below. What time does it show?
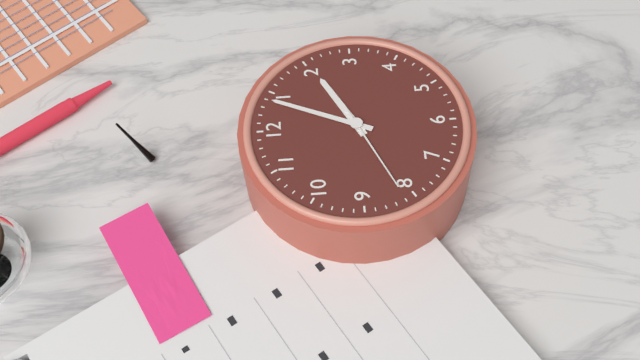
2:04:41
